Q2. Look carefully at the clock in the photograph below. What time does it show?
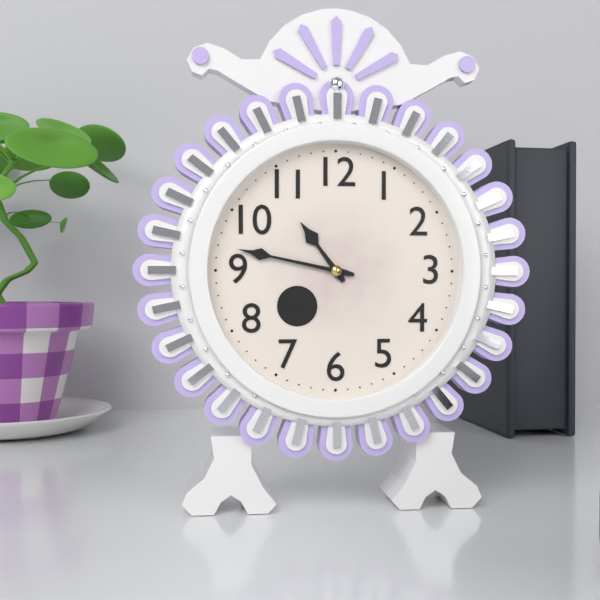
10:47
